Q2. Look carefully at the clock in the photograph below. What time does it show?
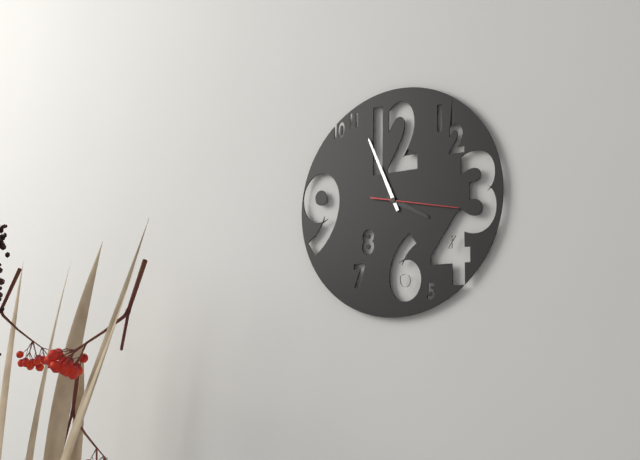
3:56:17
